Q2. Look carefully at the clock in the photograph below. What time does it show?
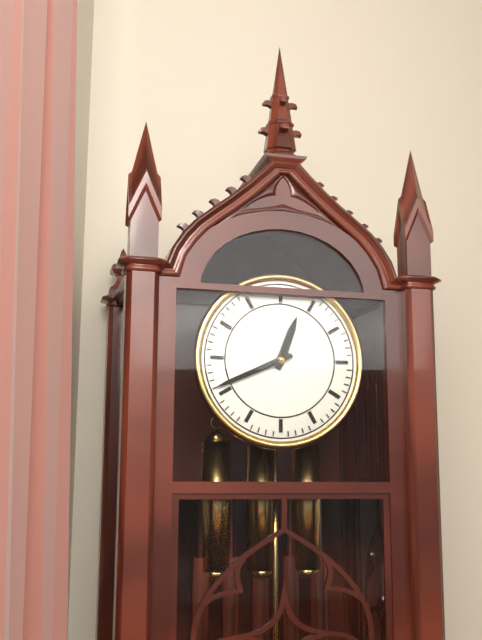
12:41
